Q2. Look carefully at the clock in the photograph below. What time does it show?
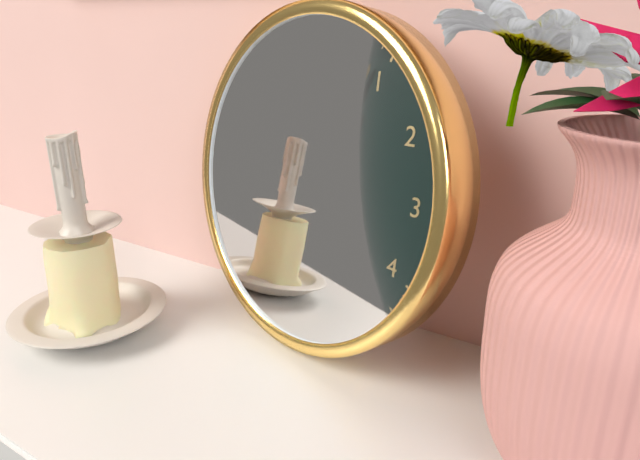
1:04:01
